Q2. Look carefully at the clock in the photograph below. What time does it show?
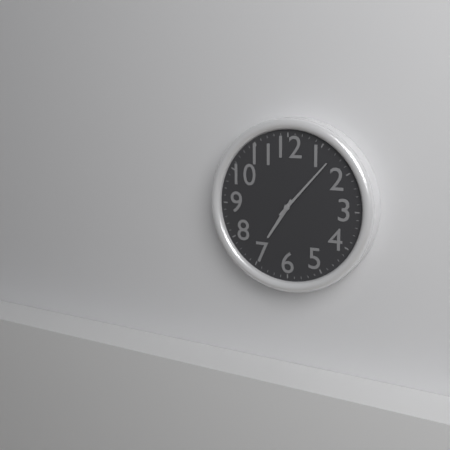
7:07
